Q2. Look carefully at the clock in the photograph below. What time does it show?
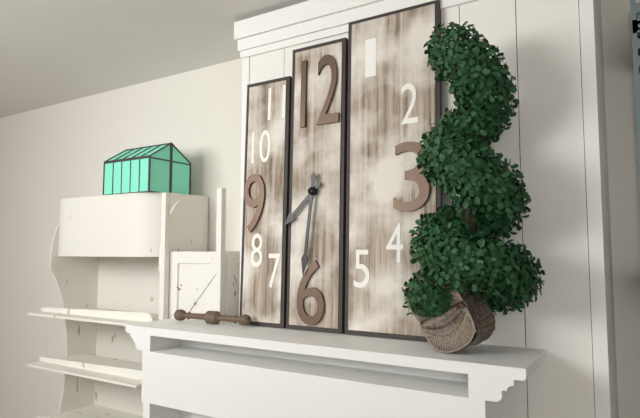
7:31
